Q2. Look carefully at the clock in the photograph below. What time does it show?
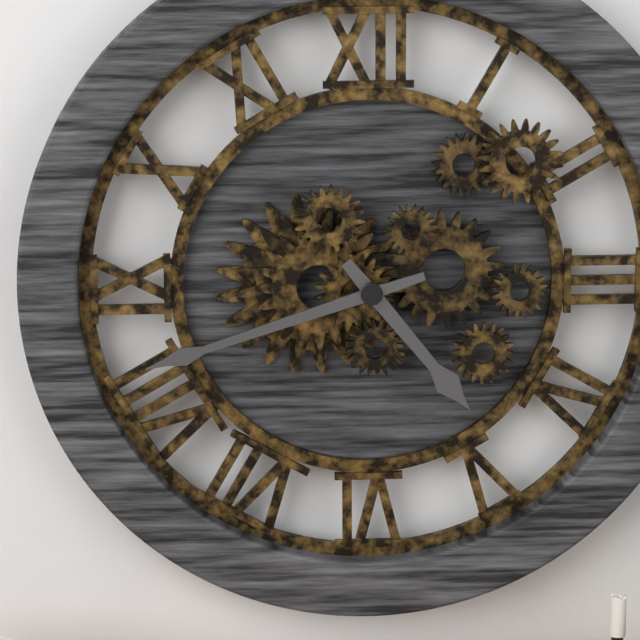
4:42
